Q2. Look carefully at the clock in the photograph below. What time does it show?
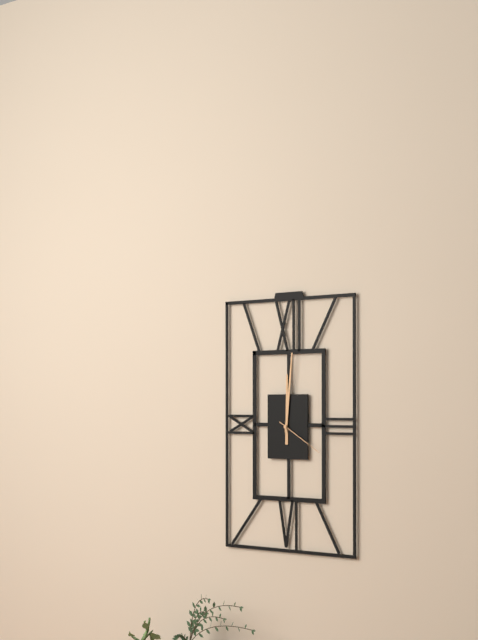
12:01:20
